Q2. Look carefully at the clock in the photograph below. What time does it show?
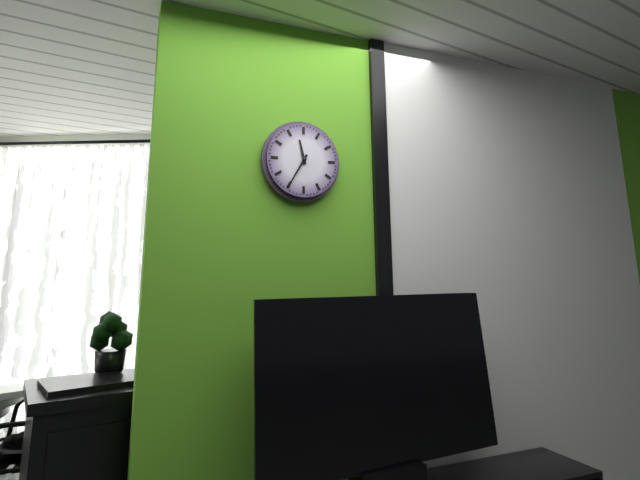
11:35
